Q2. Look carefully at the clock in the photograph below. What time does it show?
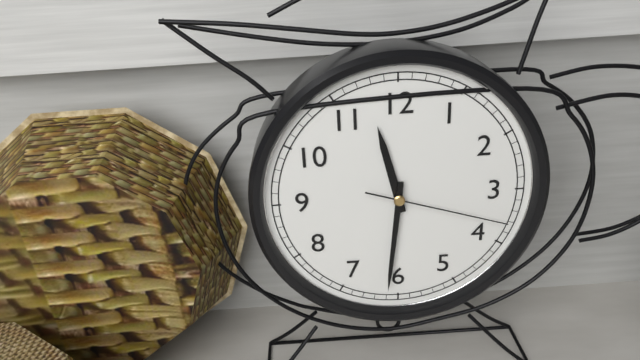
11:31:18
